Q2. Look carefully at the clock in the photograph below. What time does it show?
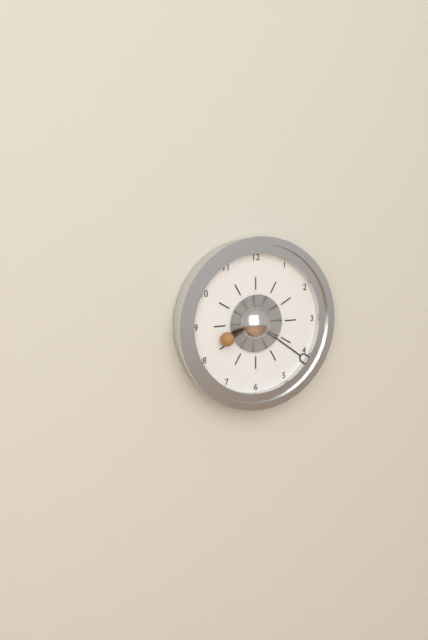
8:21
